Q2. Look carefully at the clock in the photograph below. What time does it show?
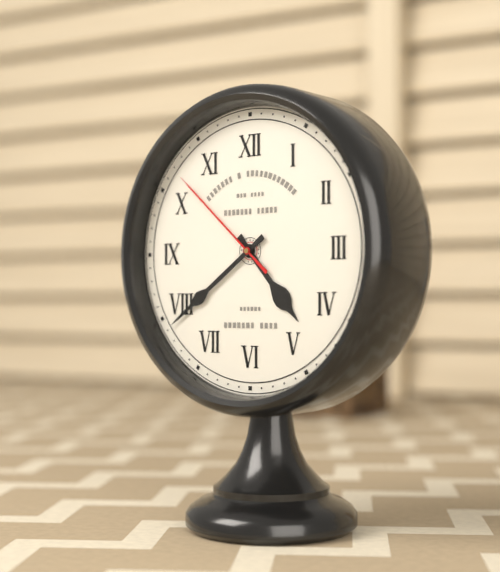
4:39:52
